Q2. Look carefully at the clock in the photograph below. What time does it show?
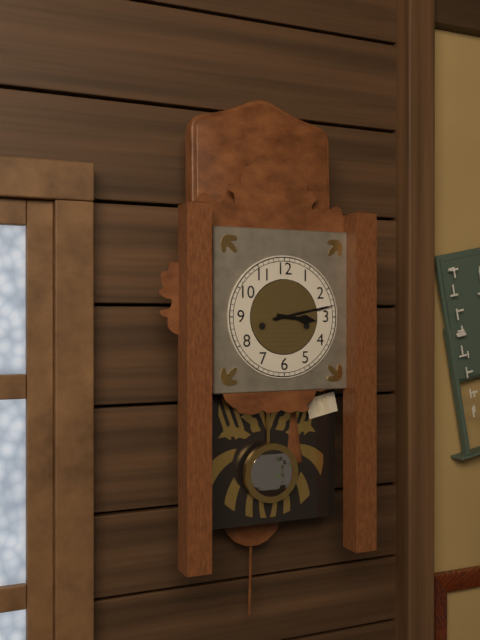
3:13
